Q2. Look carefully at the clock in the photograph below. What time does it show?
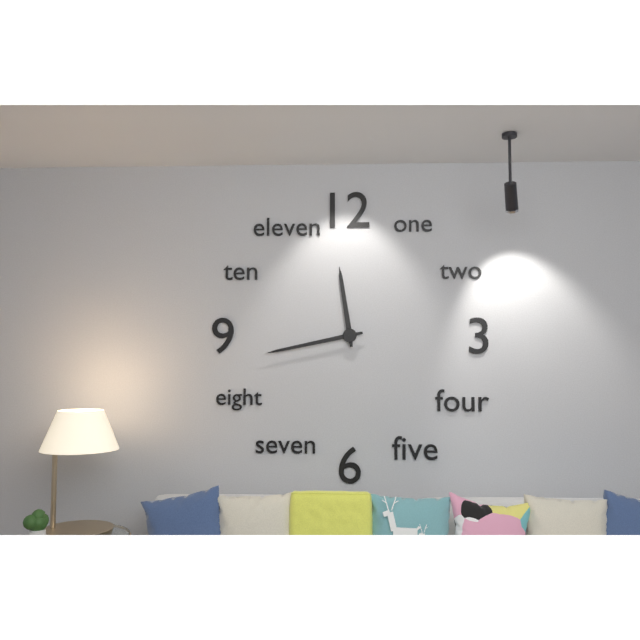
11:43
